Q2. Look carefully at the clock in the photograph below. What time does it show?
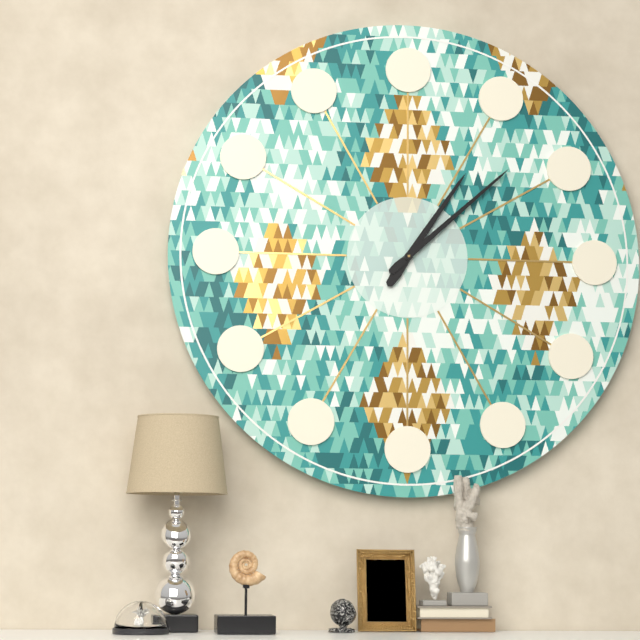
1:08
